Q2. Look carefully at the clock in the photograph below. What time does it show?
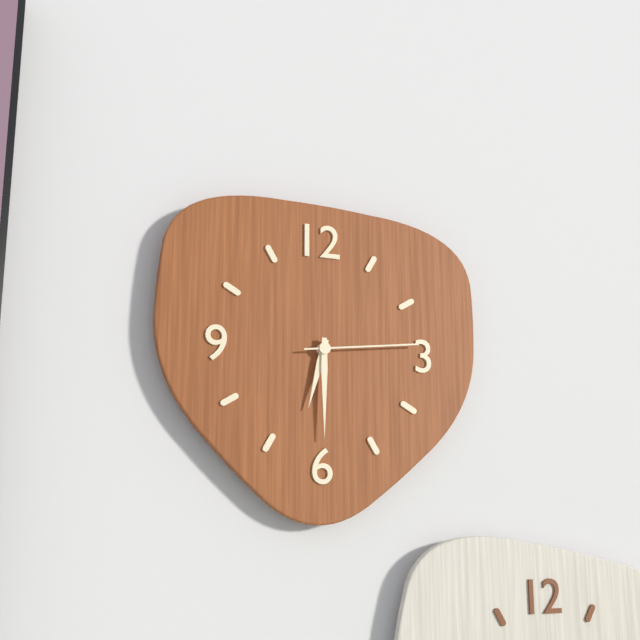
6:30:14
